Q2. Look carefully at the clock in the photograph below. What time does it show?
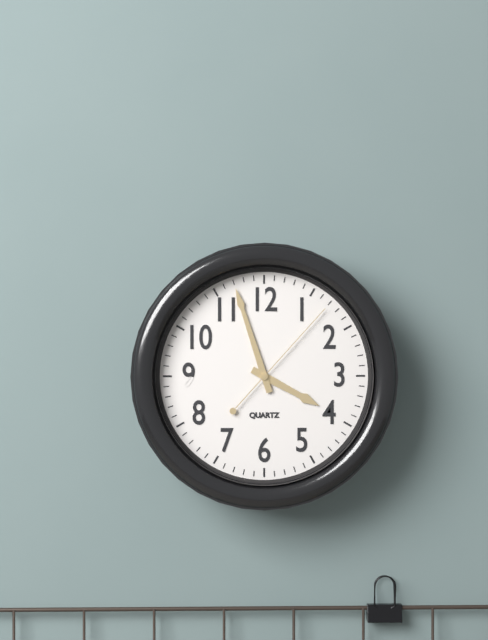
3:57:07
